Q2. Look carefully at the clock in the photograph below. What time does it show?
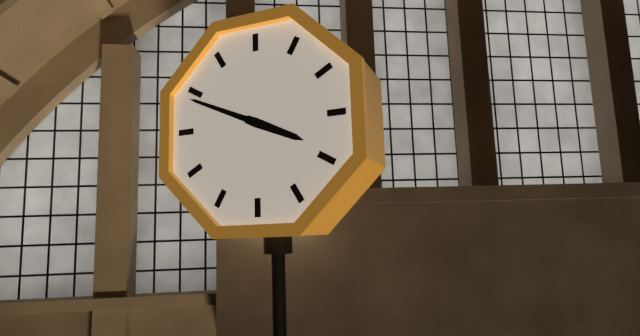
3:49
